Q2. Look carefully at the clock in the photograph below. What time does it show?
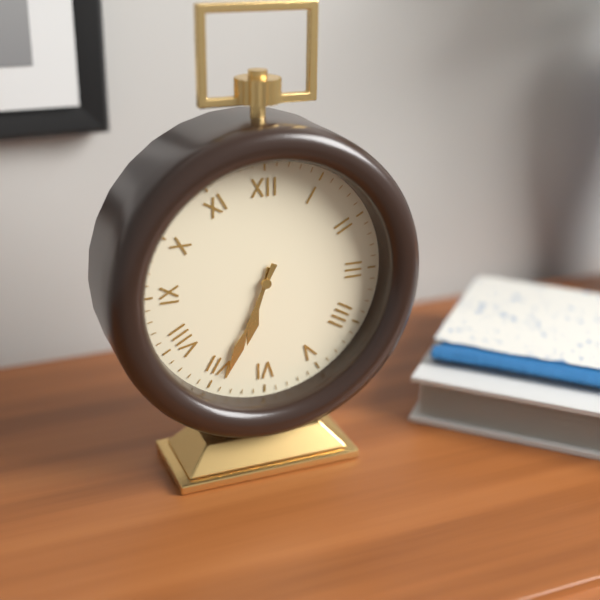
6:34
